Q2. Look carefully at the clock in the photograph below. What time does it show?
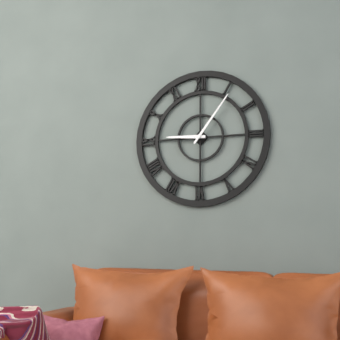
9:06
